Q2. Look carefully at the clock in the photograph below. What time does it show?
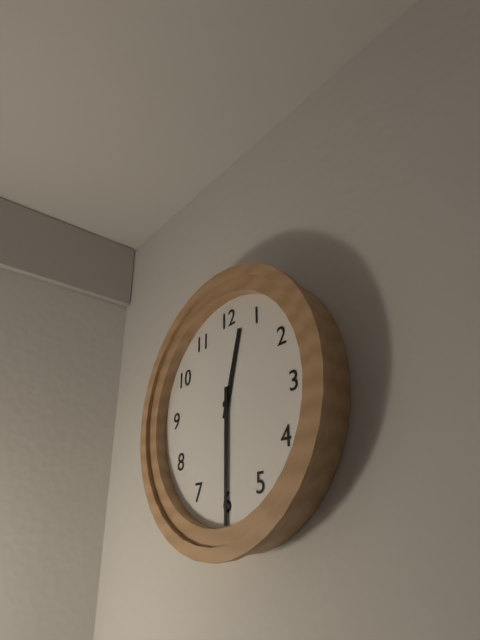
12:30
